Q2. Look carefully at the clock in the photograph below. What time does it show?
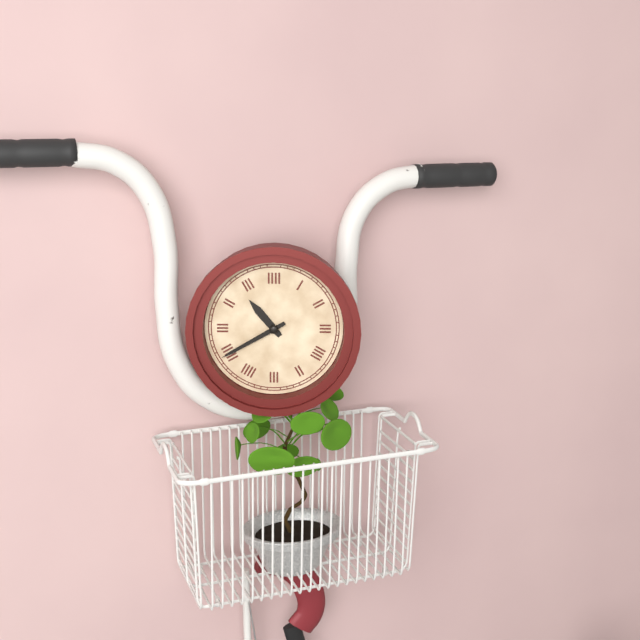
10:40
